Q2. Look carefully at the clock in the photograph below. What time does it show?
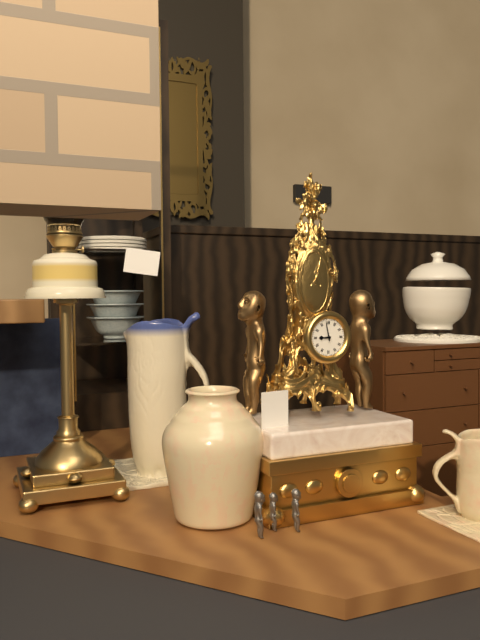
8:58
